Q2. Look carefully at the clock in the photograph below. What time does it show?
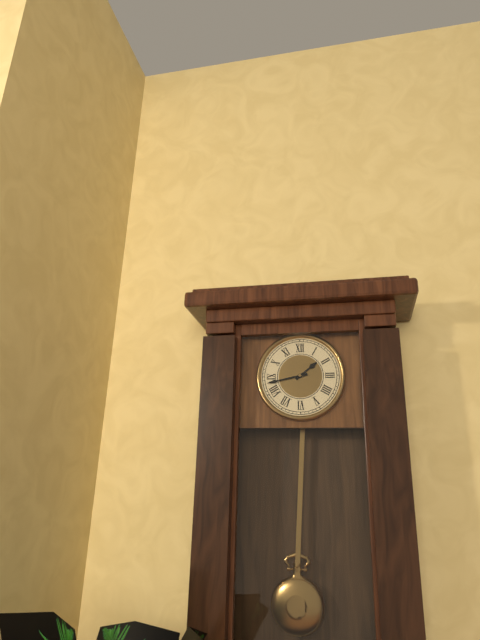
1:43
